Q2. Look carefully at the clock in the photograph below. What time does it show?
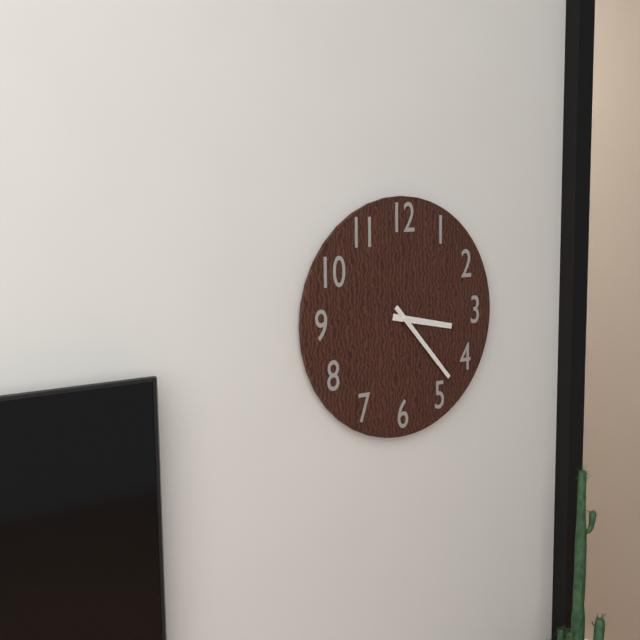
3:23
